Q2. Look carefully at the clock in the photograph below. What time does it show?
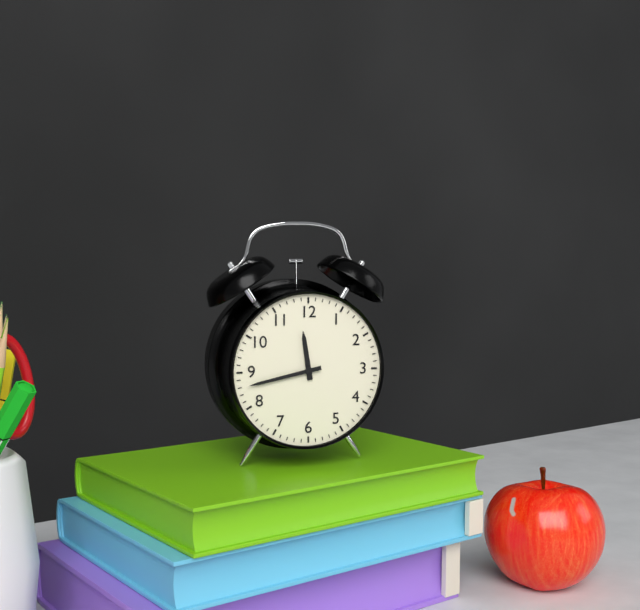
11:43
